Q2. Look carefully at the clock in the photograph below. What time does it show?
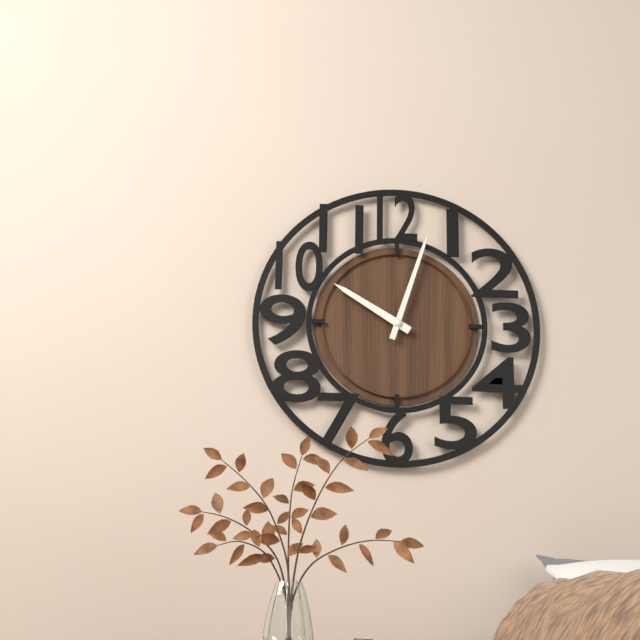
10:03
